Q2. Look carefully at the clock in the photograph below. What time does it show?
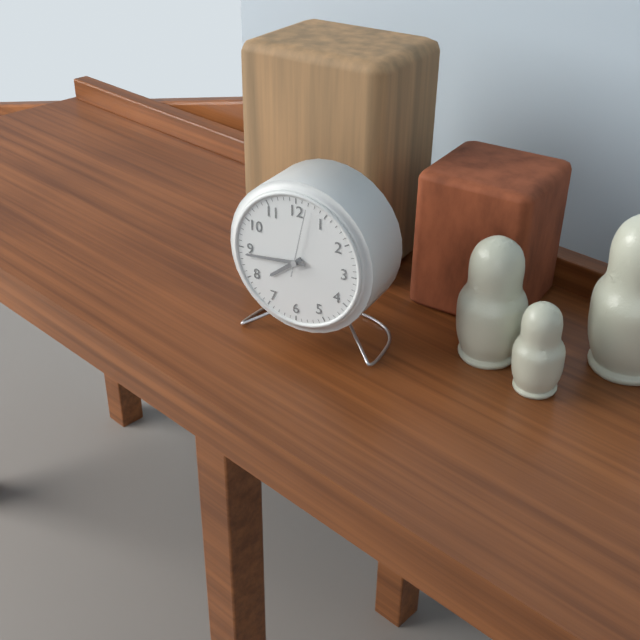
7:44:02
